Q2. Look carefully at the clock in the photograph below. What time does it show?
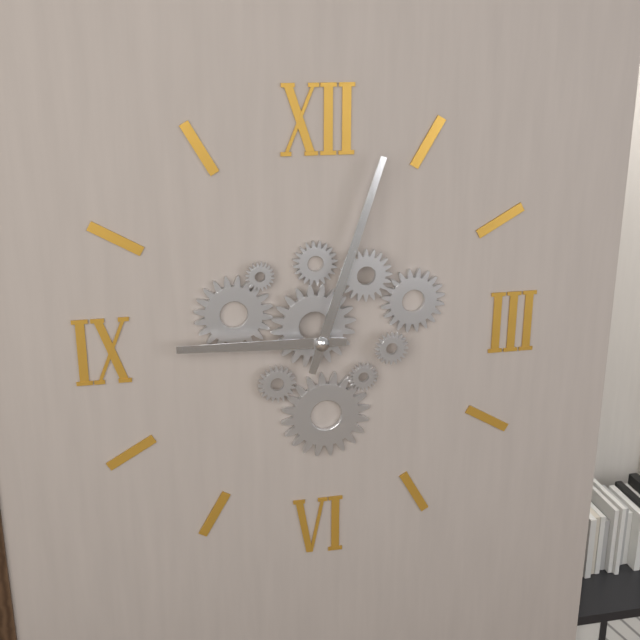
9:03
